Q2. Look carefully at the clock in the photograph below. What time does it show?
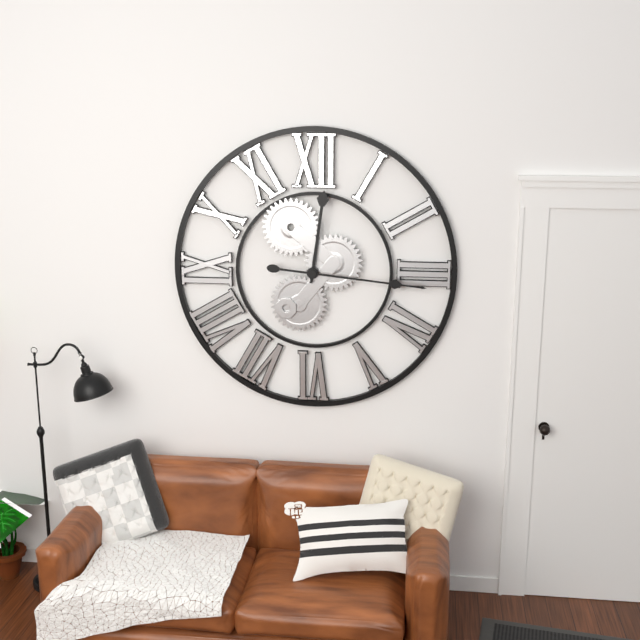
12:16
